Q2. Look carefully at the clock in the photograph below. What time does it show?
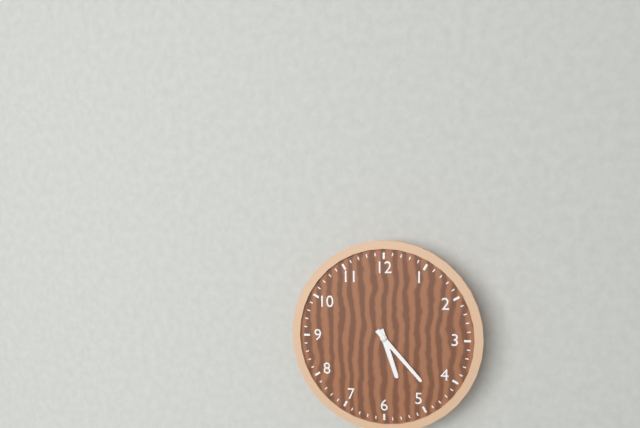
5:23
